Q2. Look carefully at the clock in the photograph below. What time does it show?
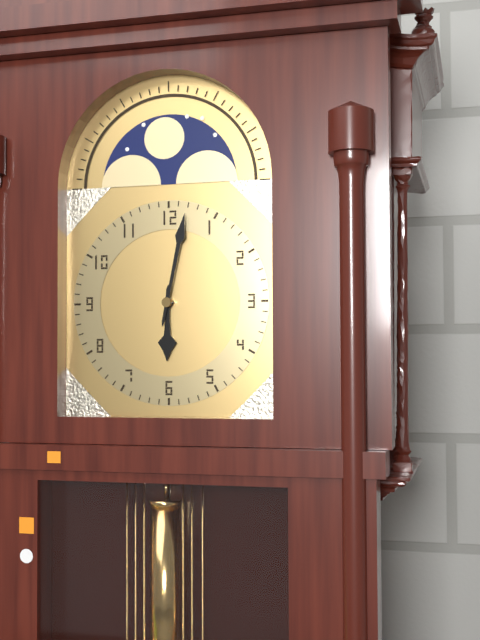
6:02
